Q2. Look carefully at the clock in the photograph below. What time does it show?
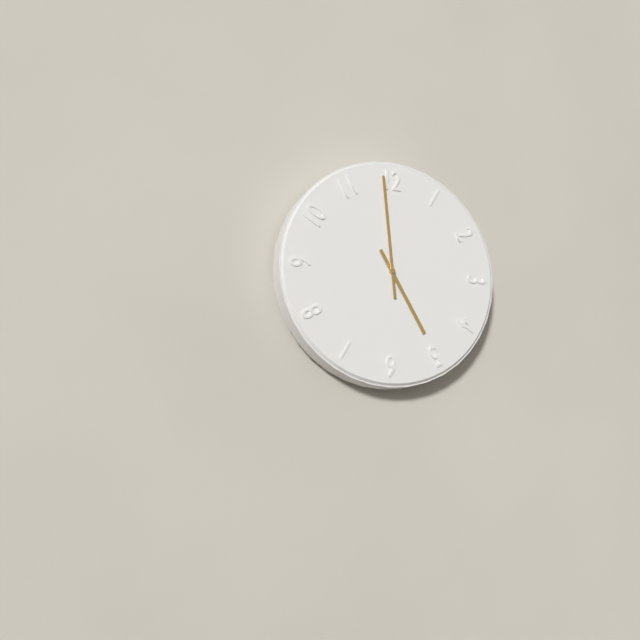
4:59
